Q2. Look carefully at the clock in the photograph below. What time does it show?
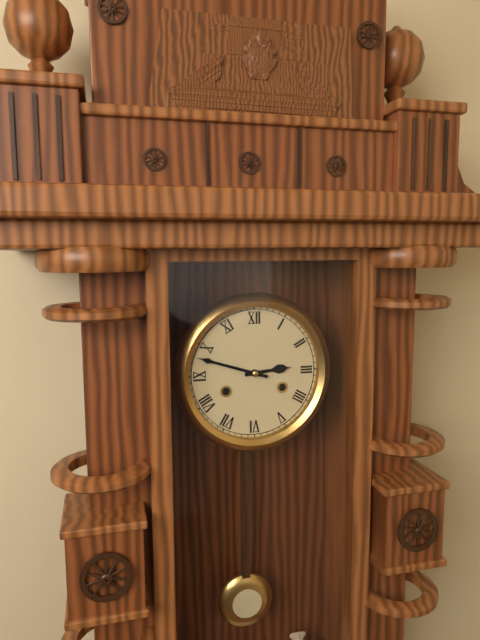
2:48
